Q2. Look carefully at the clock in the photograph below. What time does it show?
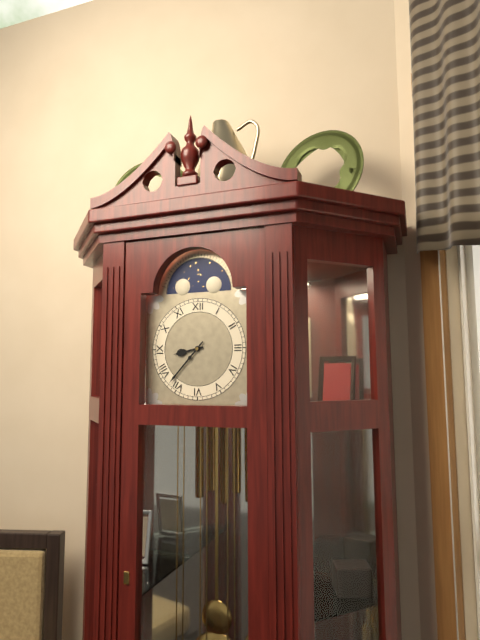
8:37
